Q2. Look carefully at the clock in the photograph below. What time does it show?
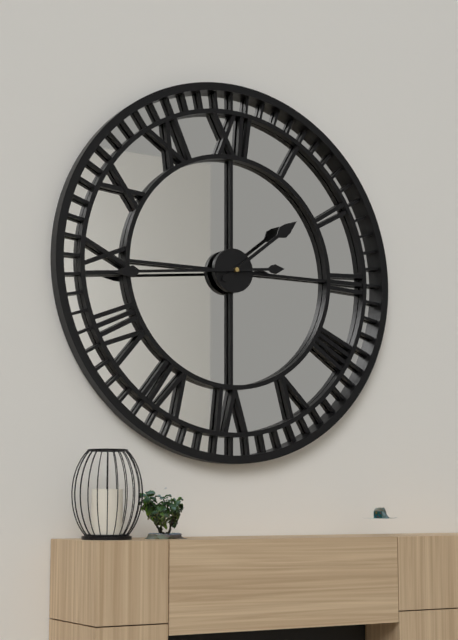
1:44
